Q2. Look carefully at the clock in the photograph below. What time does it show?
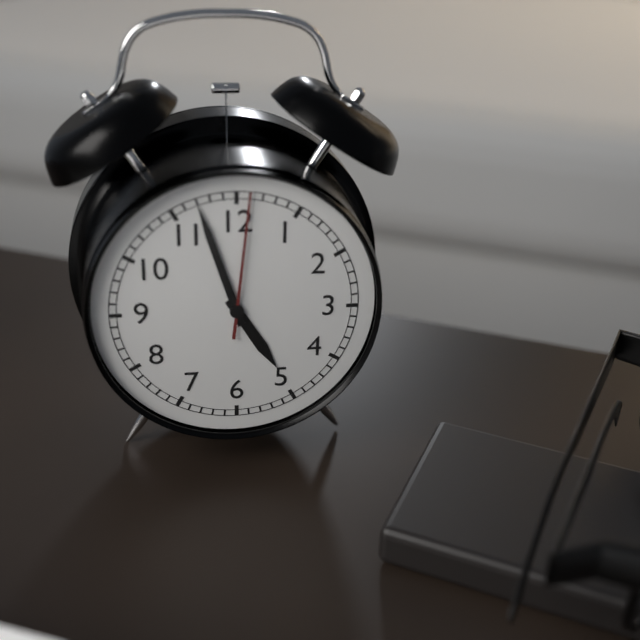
4:57:01
